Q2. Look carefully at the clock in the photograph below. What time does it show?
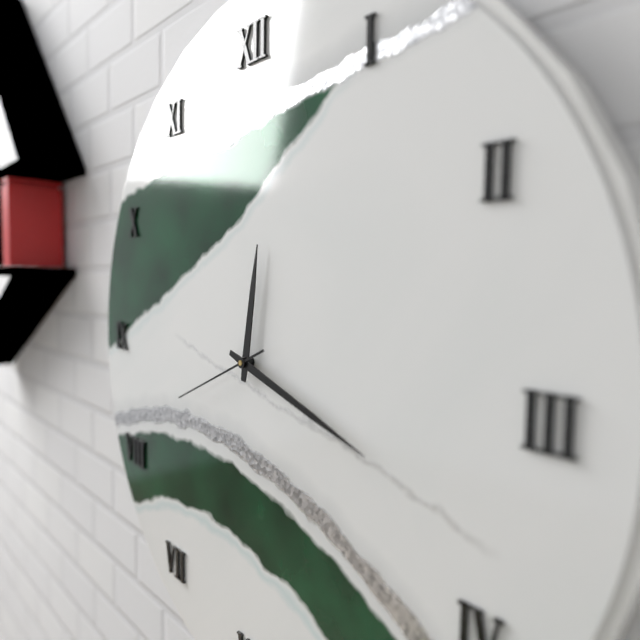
12:18:41
